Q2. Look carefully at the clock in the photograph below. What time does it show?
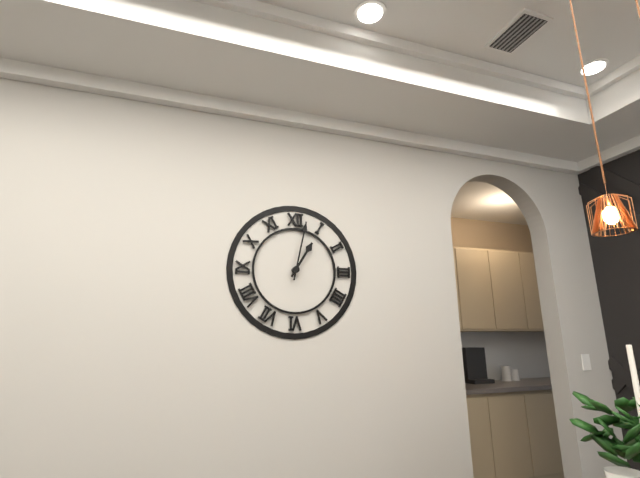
1:02
